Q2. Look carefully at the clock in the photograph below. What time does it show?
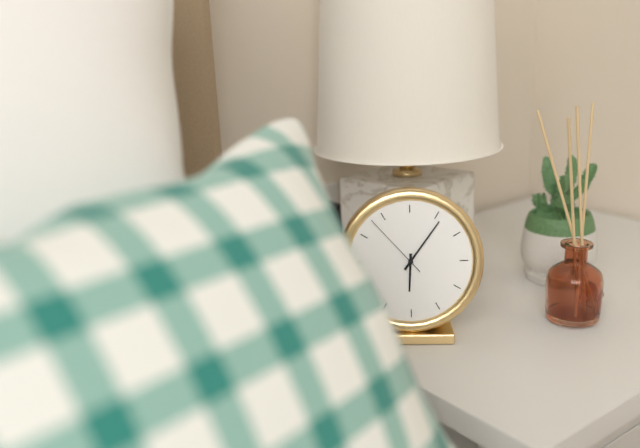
6:06:53
